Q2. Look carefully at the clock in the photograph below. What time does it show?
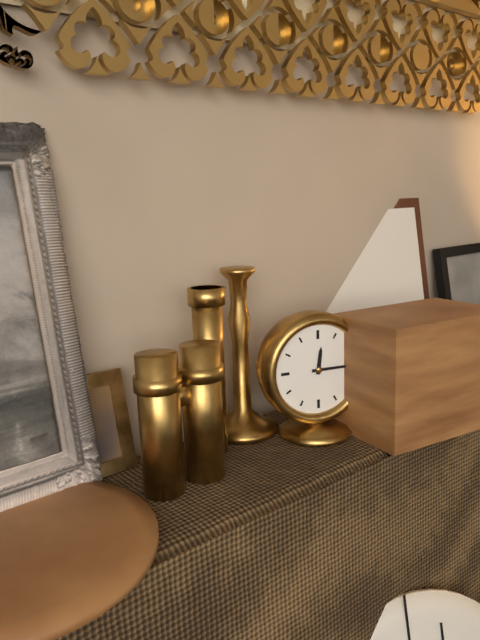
12:15
